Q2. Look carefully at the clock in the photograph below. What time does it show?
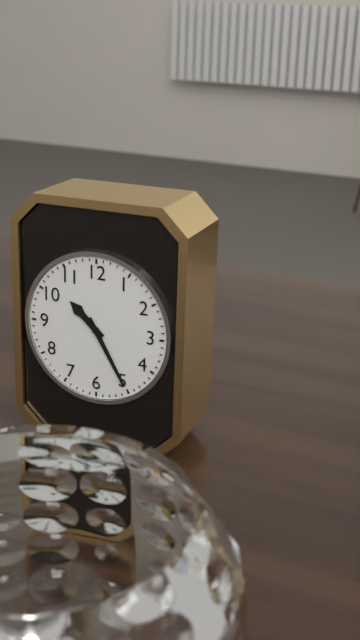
10:25
